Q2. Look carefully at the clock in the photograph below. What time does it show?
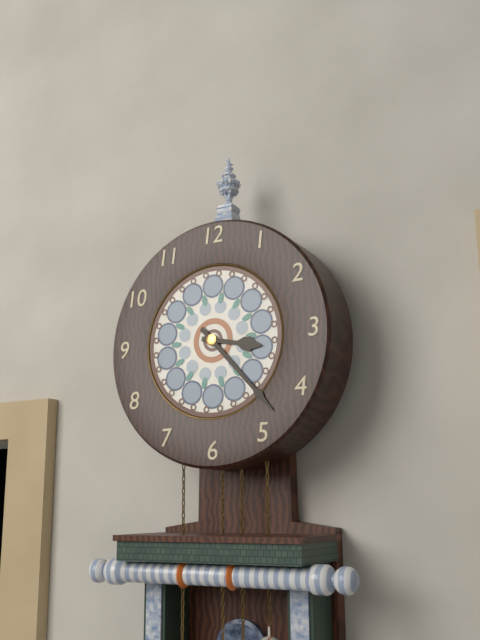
3:23
